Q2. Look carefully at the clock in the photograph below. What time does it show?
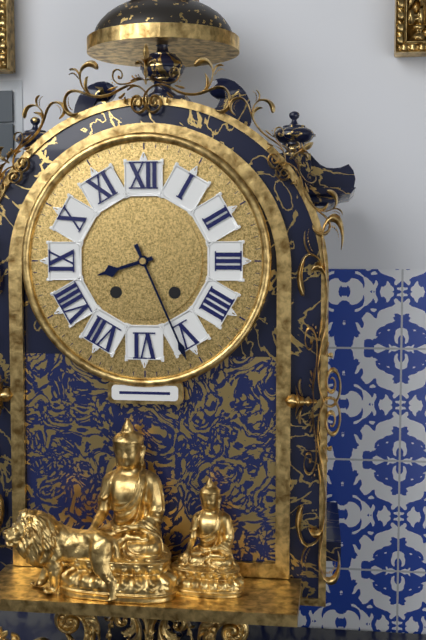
8:26
